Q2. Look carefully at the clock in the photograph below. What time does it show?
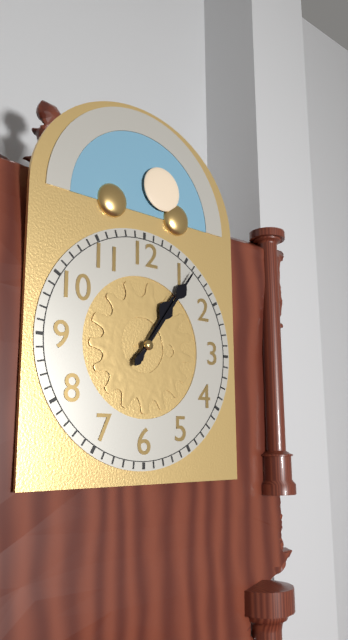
1:06
